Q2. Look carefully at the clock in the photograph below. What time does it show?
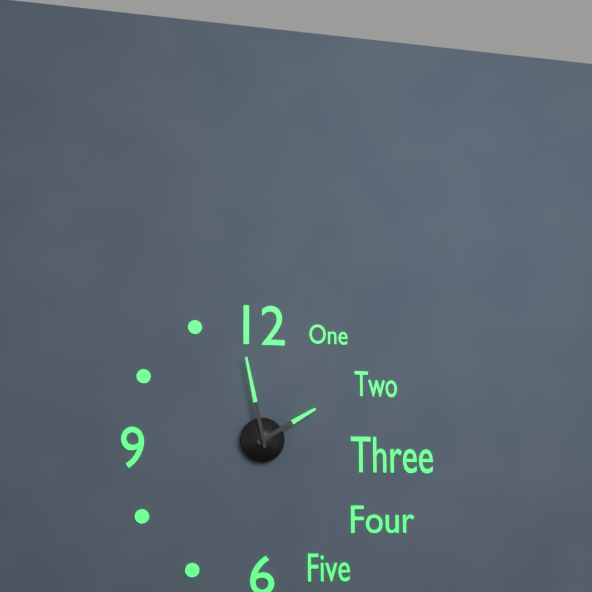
1:58
